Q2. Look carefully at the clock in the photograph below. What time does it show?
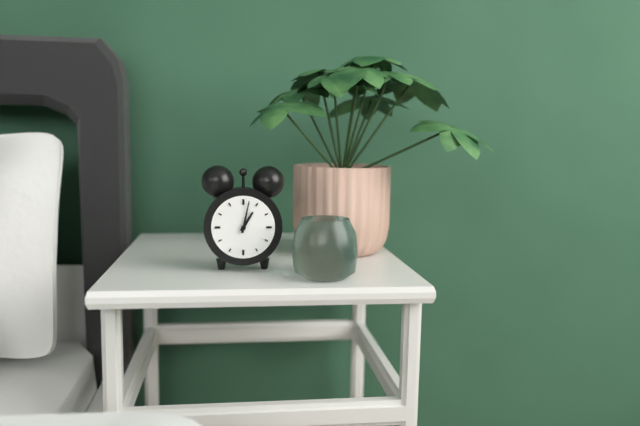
1:02
